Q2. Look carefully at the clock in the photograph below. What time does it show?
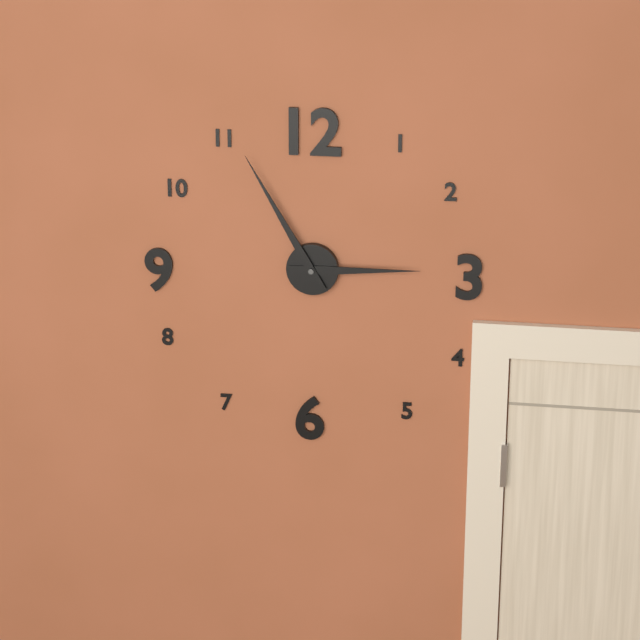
2:55
